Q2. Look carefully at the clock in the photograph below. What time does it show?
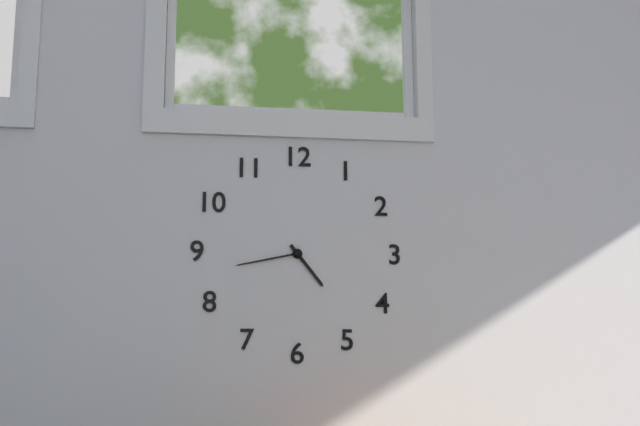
4:43
